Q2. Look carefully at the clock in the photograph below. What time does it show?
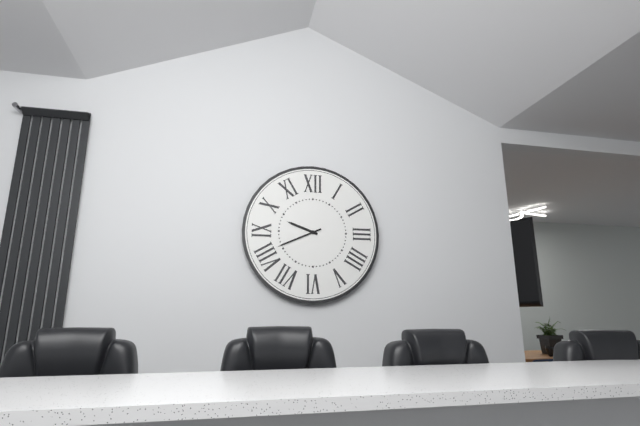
9:41
